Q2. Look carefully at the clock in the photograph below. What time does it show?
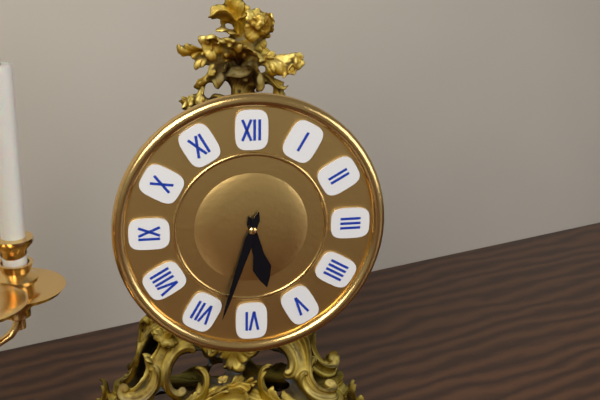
5:33
